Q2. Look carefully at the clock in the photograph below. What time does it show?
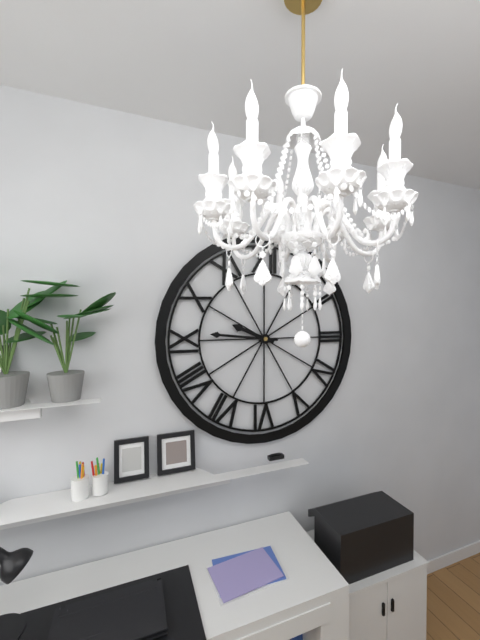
9:46
